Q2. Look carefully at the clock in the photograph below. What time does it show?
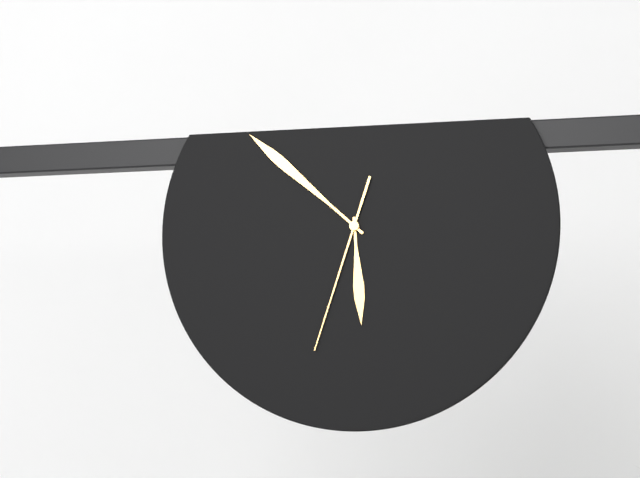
5:52:33
